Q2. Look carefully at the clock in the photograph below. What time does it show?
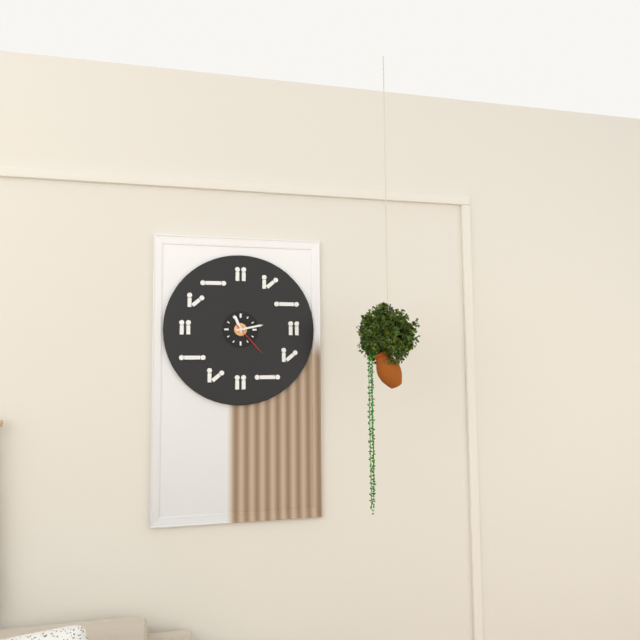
11:13
